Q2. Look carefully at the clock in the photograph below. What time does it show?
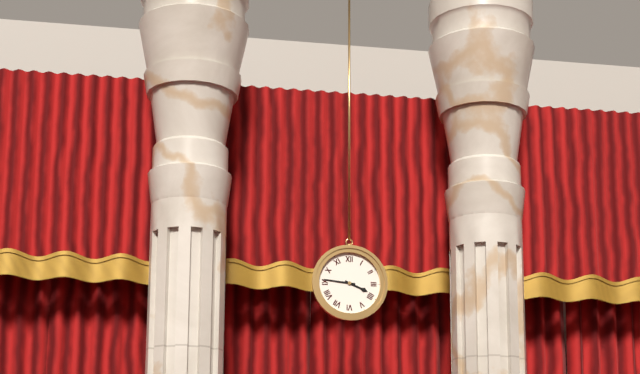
3:46
